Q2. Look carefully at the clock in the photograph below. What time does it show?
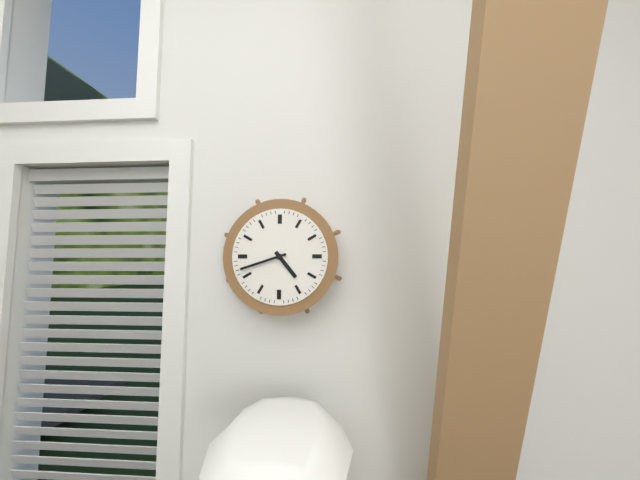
4:42
